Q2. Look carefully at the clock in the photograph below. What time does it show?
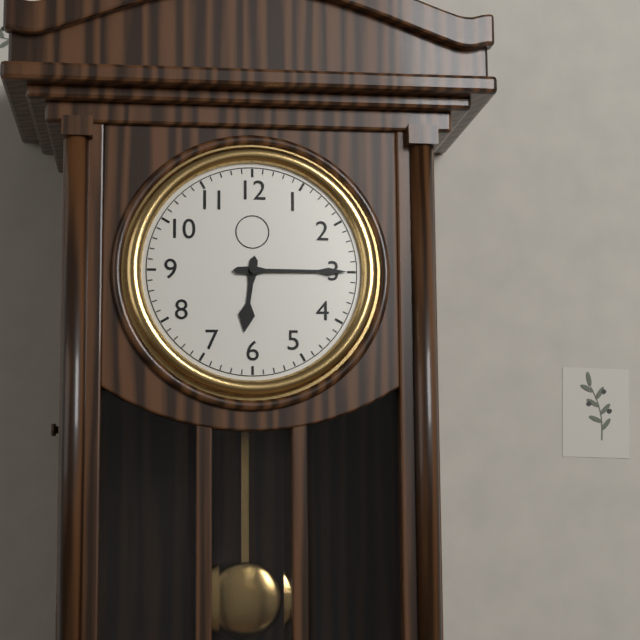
6:15
